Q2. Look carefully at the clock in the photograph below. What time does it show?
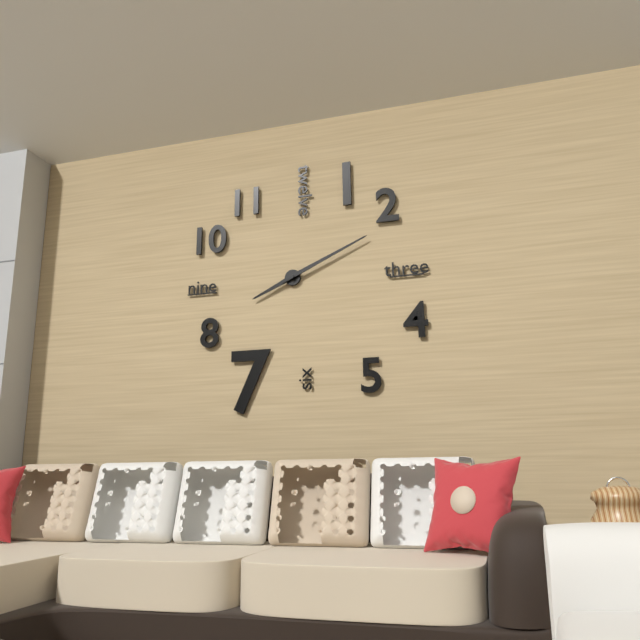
8:11
